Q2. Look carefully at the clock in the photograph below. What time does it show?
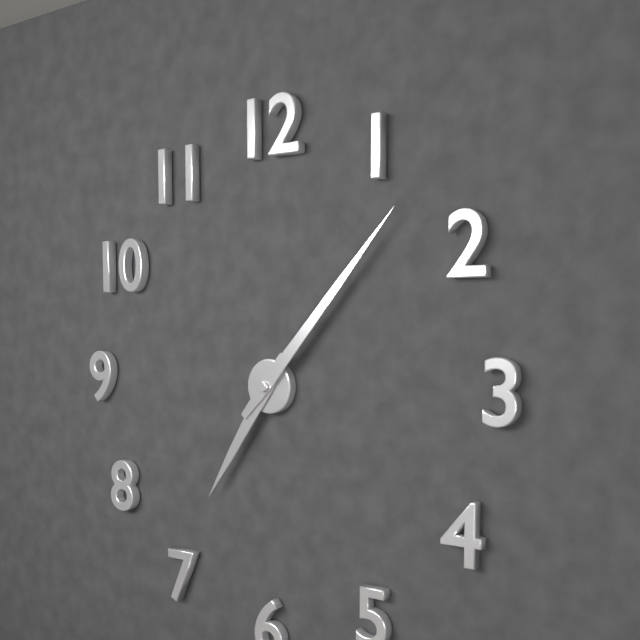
7:07
